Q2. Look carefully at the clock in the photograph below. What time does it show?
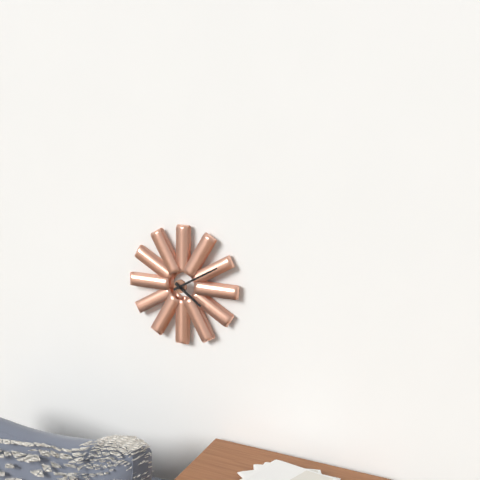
4:10
